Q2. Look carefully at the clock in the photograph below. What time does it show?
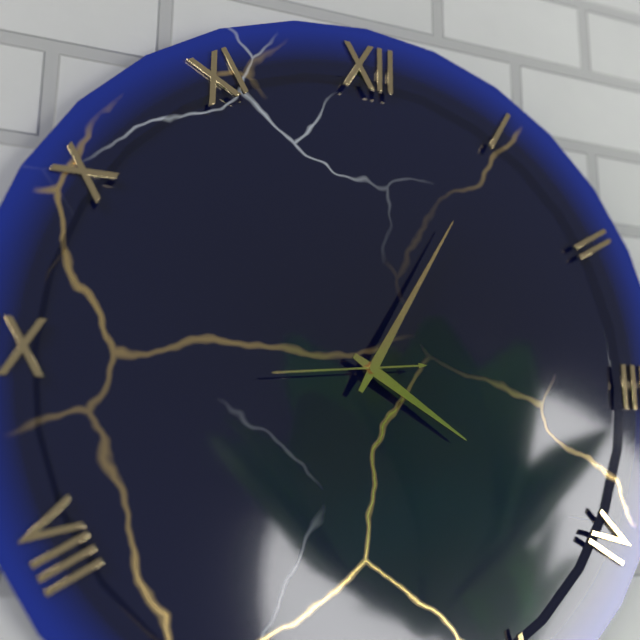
4:05:44
